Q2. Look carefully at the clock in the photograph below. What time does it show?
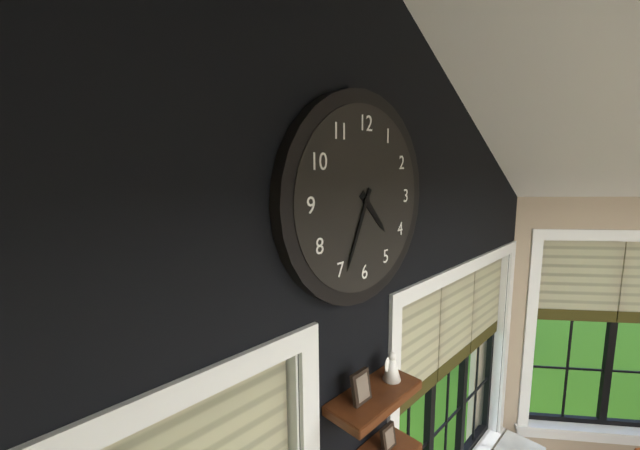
4:34
